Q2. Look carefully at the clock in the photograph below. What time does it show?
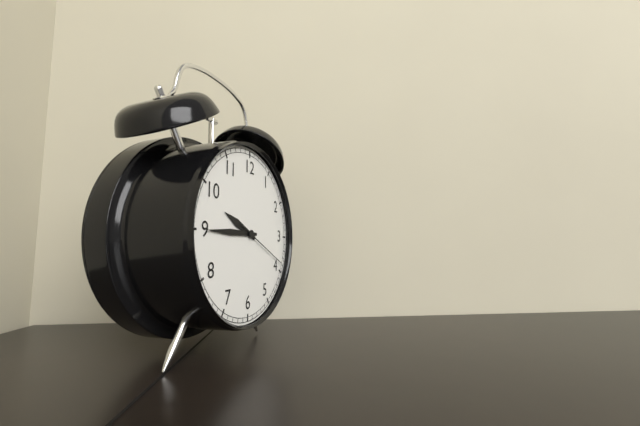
9:45:19
